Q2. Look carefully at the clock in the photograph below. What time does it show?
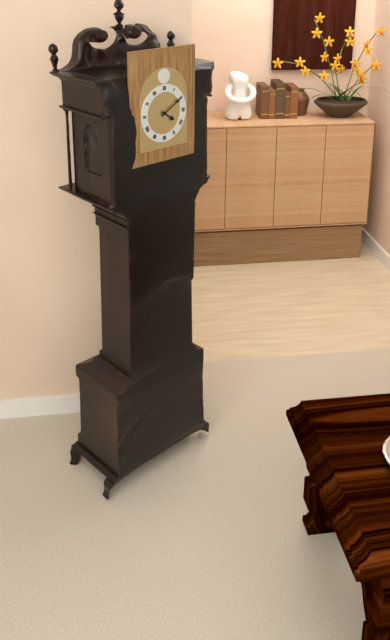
4:10
